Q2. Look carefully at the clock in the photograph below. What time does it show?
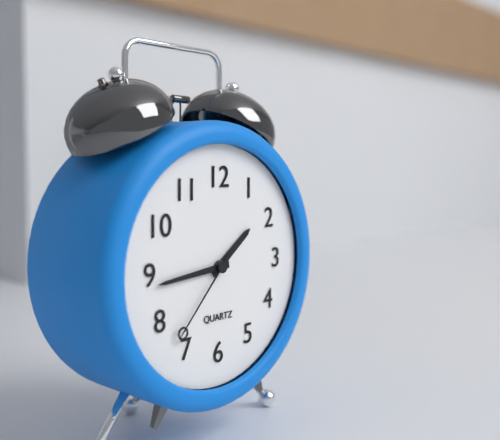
1:44:37
